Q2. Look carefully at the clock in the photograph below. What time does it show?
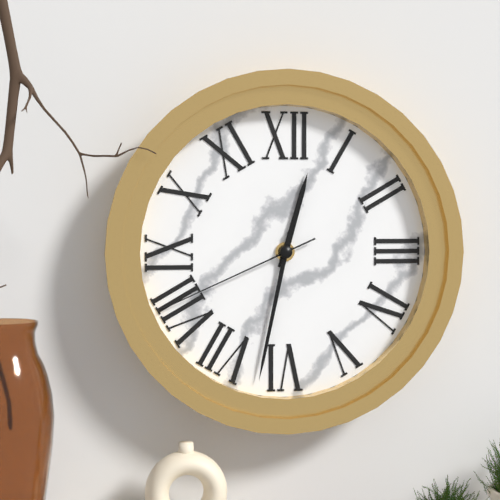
12:32:41
